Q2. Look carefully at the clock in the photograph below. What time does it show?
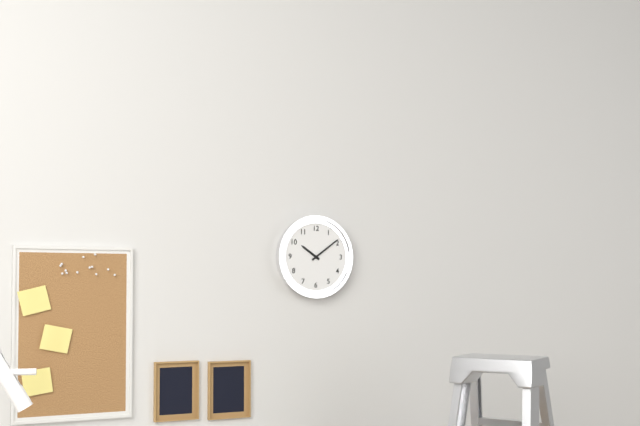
10:09
